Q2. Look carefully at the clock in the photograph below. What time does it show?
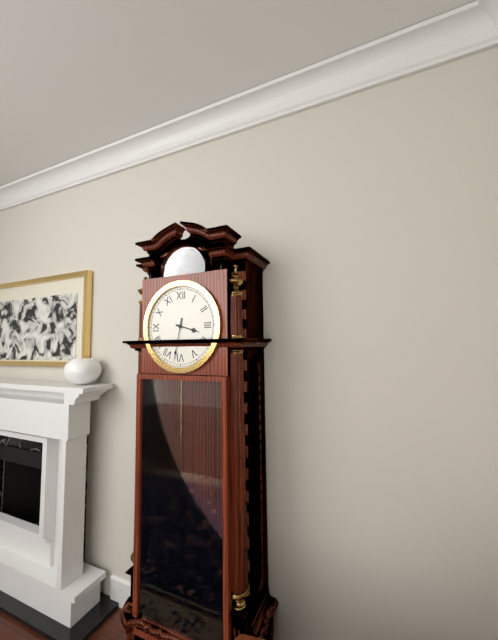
3:32
